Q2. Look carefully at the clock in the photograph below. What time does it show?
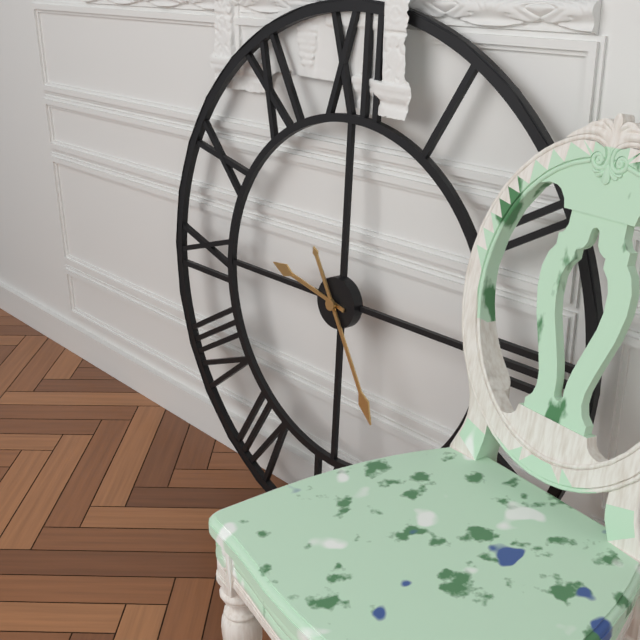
9:25
